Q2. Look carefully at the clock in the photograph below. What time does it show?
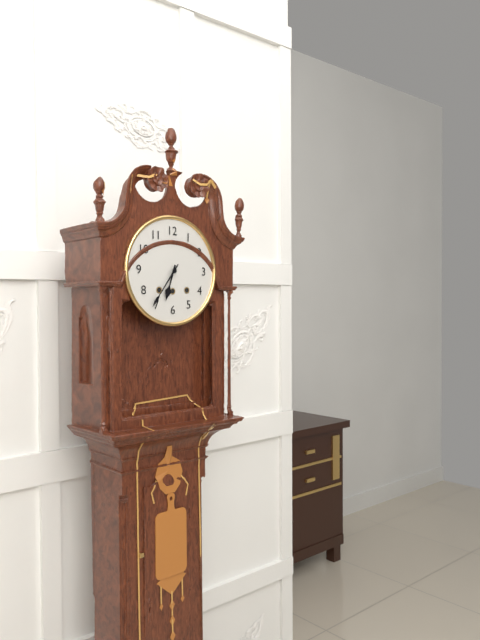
6:36
